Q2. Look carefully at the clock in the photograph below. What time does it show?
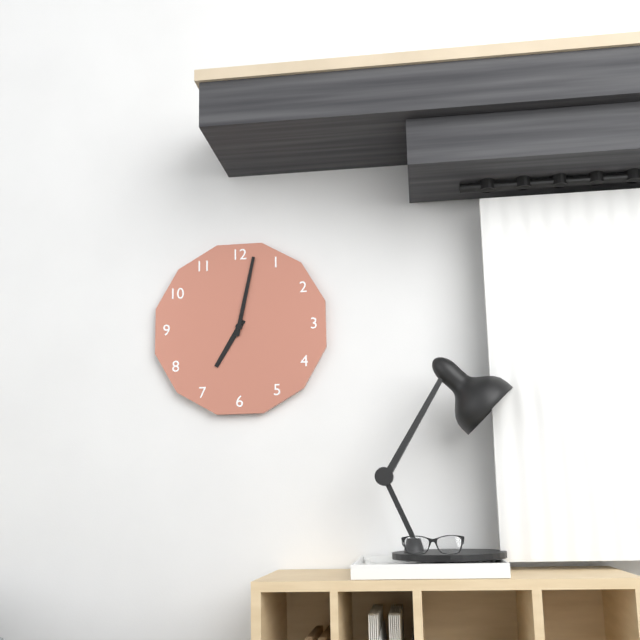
7:02
